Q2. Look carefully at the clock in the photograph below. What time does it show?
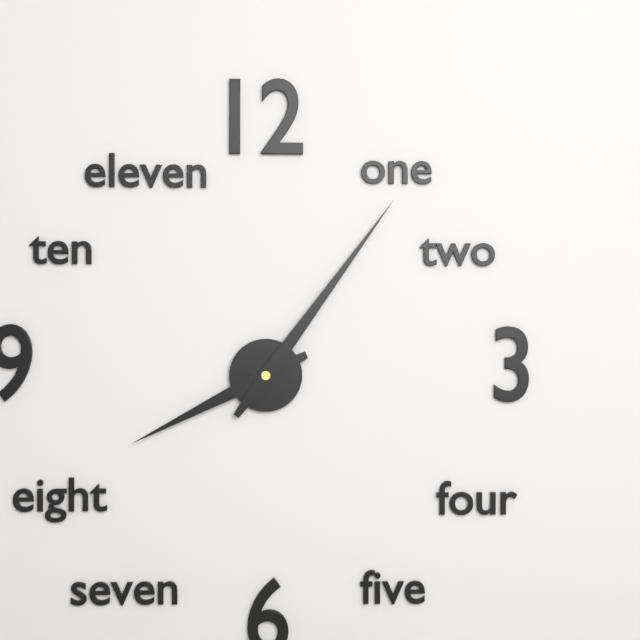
8:06
